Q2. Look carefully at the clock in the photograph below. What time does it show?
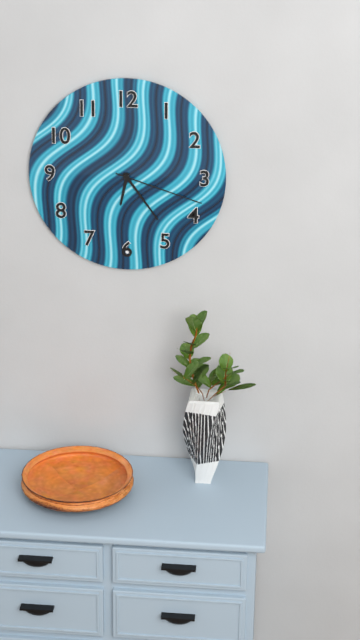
6:24:18
